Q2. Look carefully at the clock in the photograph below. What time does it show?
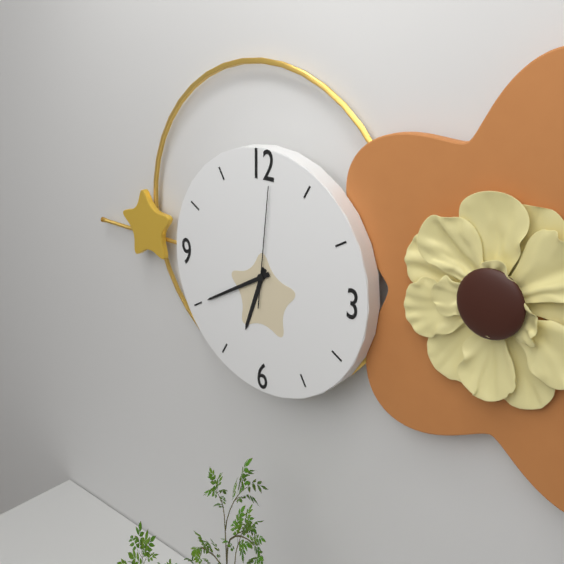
6:40:01
